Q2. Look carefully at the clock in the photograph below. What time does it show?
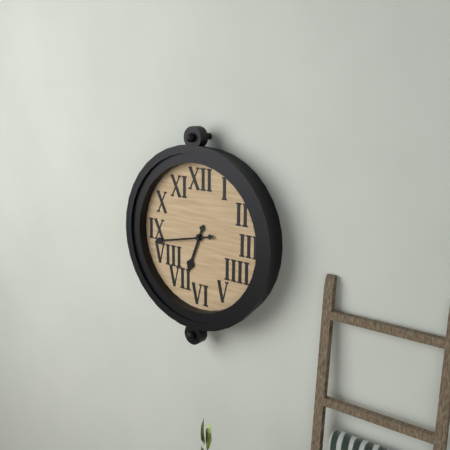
6:43
